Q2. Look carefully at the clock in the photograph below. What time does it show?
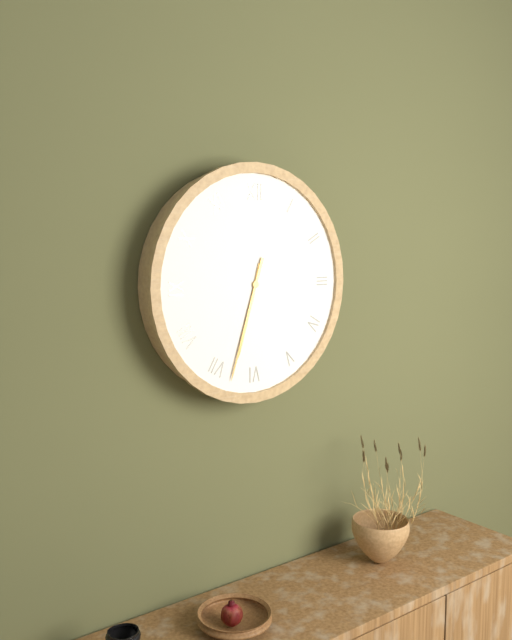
6:33
